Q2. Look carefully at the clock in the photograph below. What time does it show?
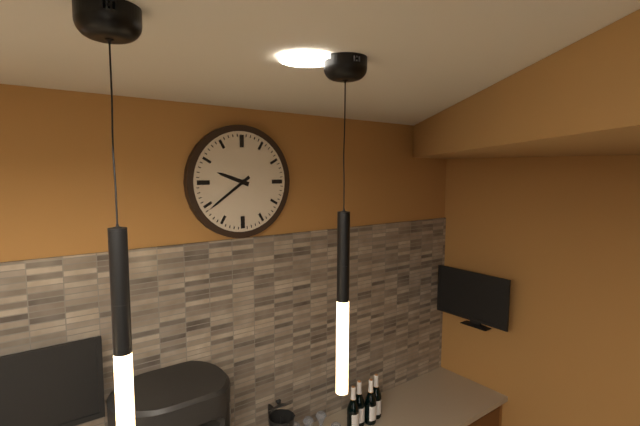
9:39
